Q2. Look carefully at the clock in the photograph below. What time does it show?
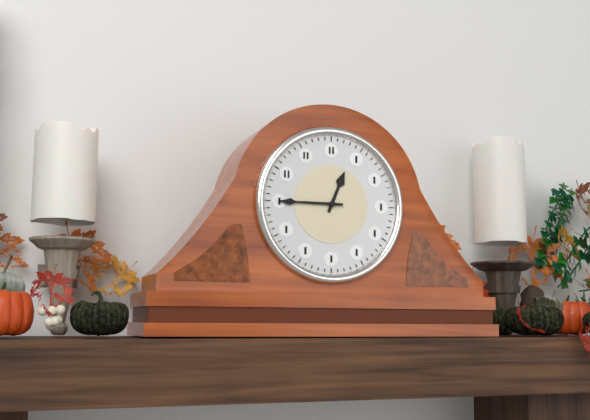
12:45
